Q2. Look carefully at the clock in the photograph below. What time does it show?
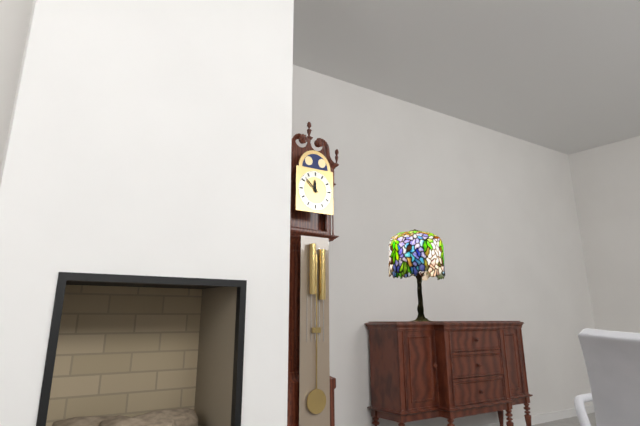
11:52
